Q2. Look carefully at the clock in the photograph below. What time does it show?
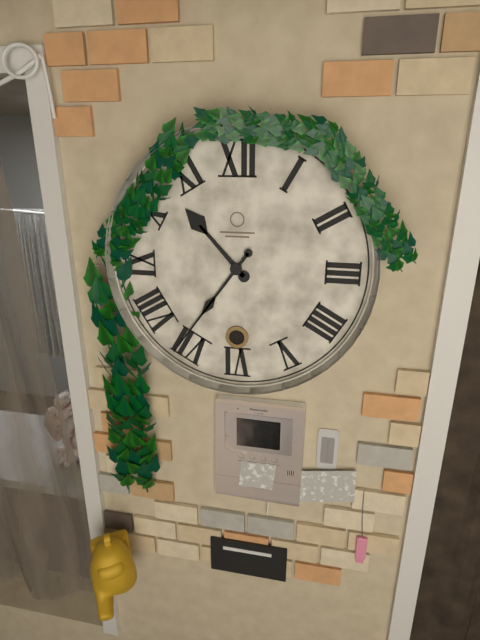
10:36
